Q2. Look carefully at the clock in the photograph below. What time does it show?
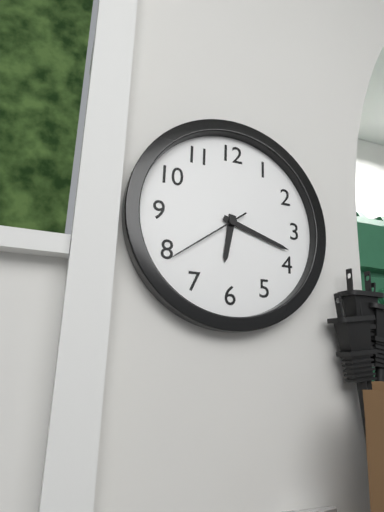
6:18:39
